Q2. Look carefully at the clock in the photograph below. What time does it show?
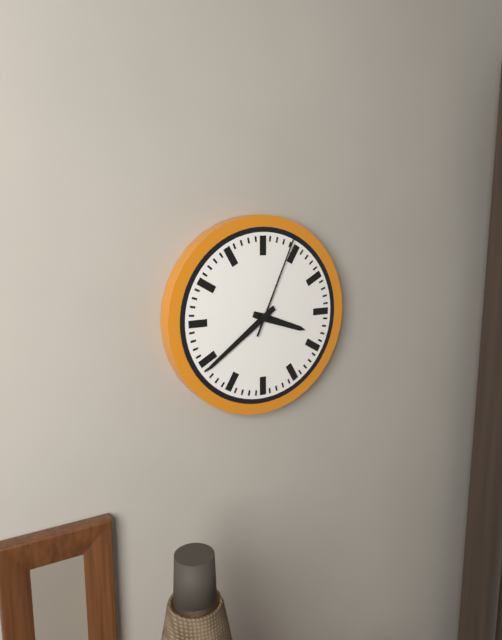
3:39:04
